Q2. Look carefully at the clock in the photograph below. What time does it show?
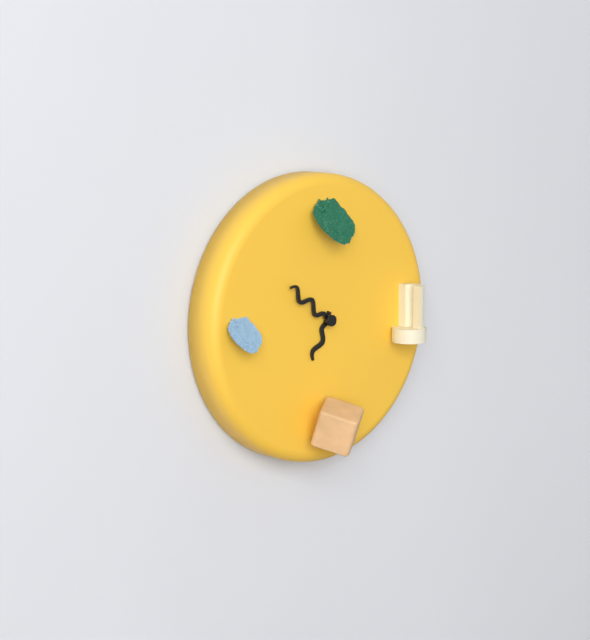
6:51
